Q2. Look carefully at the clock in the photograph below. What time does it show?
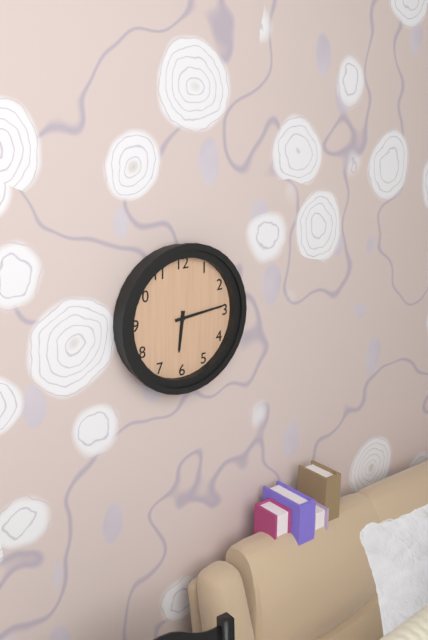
6:14
